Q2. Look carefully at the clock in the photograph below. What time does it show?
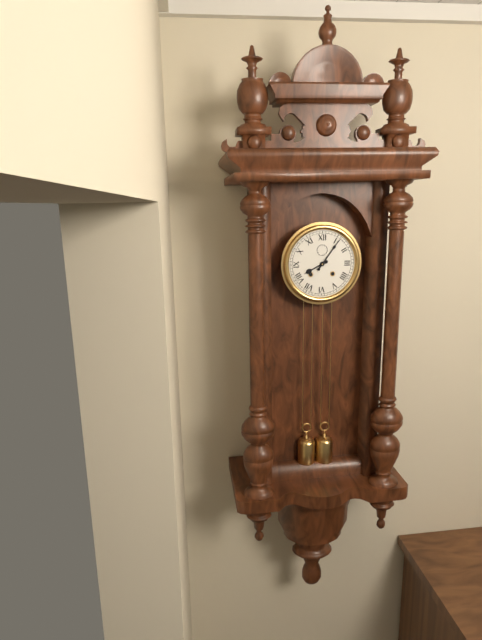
8:06
